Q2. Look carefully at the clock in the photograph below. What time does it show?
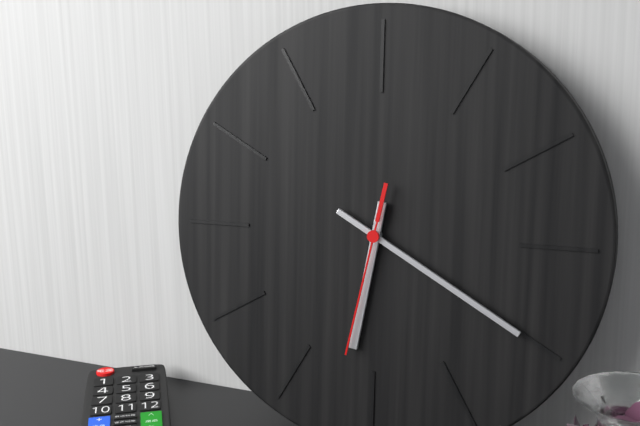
6:20:32
